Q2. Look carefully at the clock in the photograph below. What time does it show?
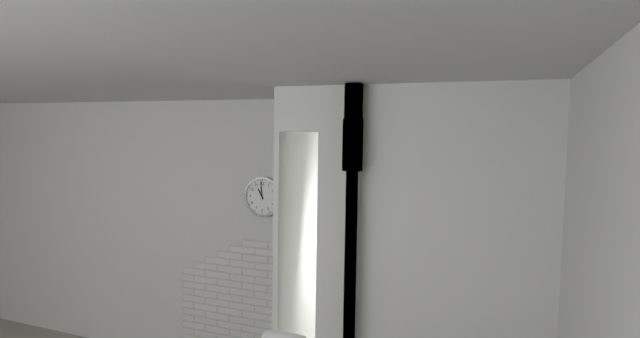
10:59
